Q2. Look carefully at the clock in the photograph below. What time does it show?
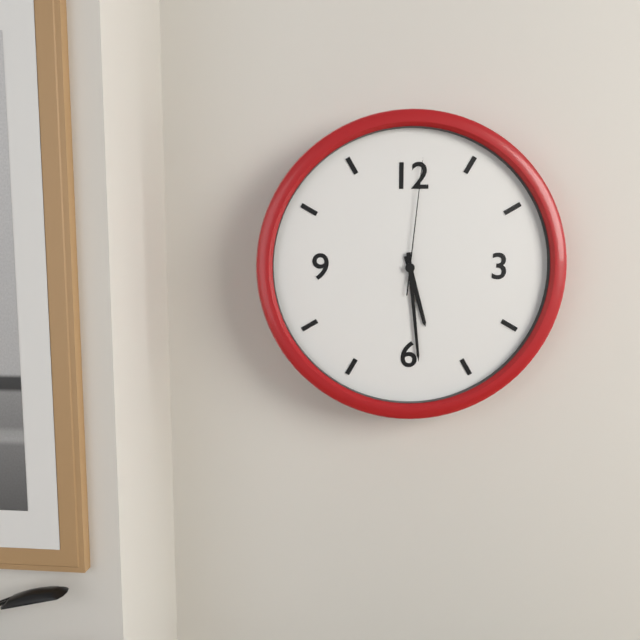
5:29:01
